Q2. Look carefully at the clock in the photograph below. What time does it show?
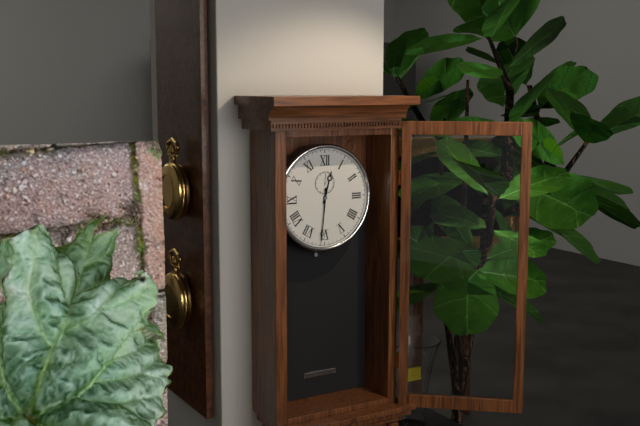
12:31
